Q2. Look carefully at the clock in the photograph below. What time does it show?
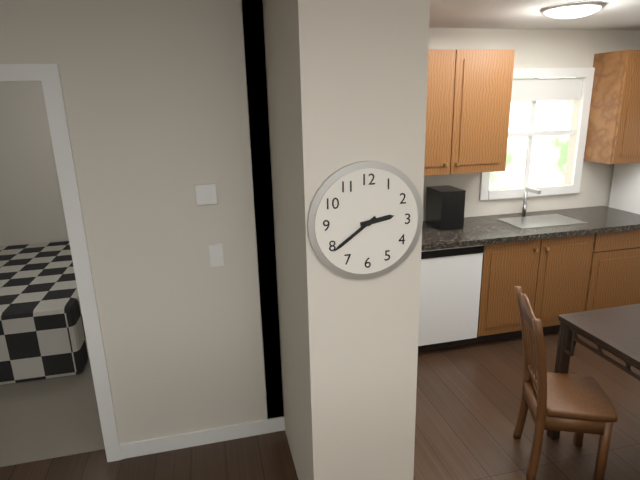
2:39
